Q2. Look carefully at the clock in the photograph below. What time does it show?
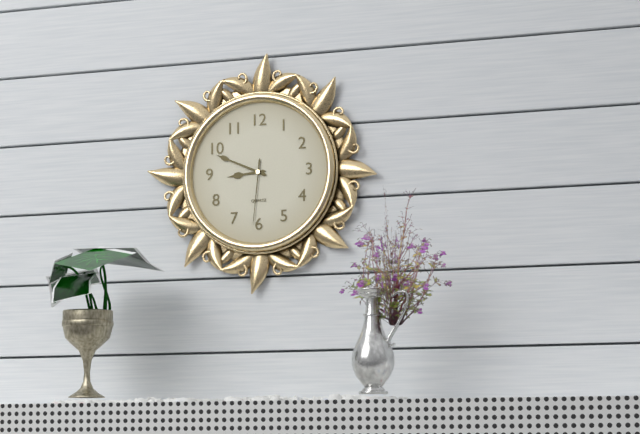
8:49:31
